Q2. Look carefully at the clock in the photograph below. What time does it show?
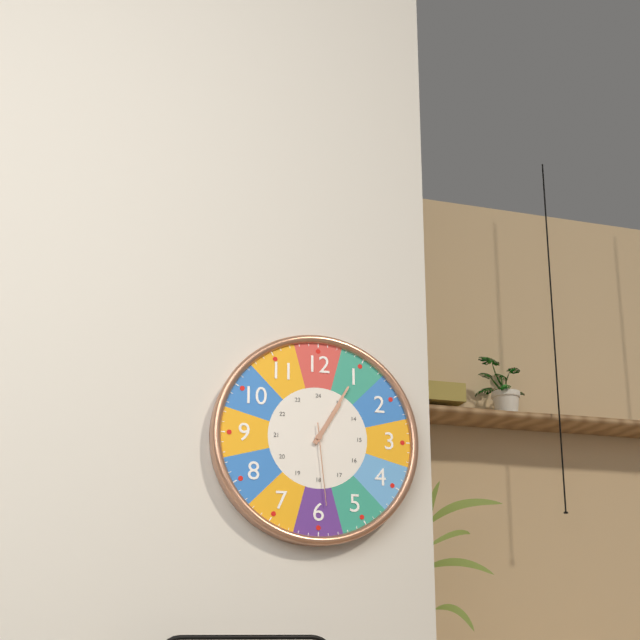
1:05:29
